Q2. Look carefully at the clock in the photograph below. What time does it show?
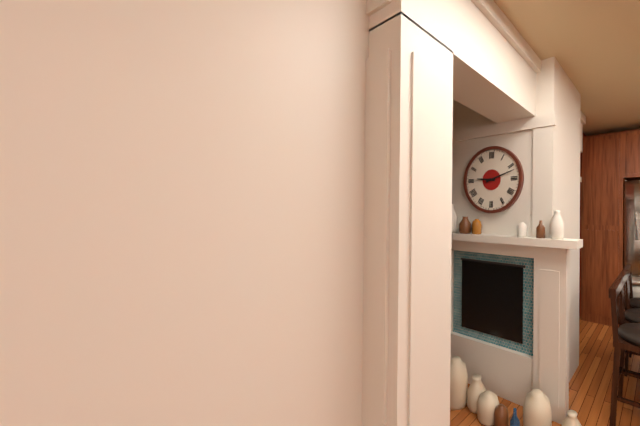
9:12
